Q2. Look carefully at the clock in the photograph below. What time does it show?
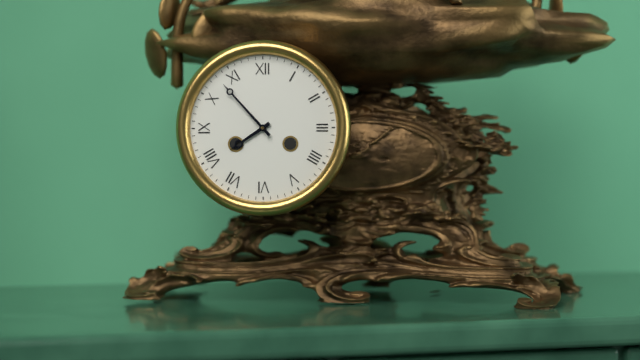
7:53
